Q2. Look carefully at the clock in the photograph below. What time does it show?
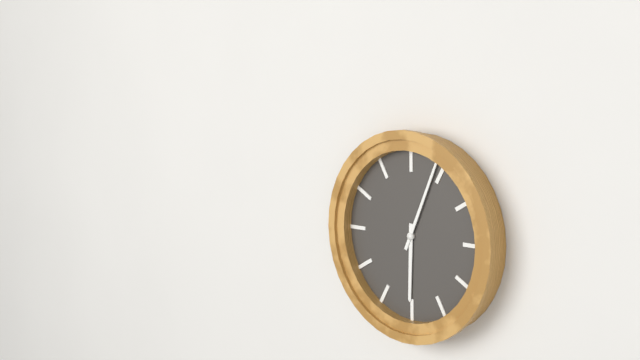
6:04
